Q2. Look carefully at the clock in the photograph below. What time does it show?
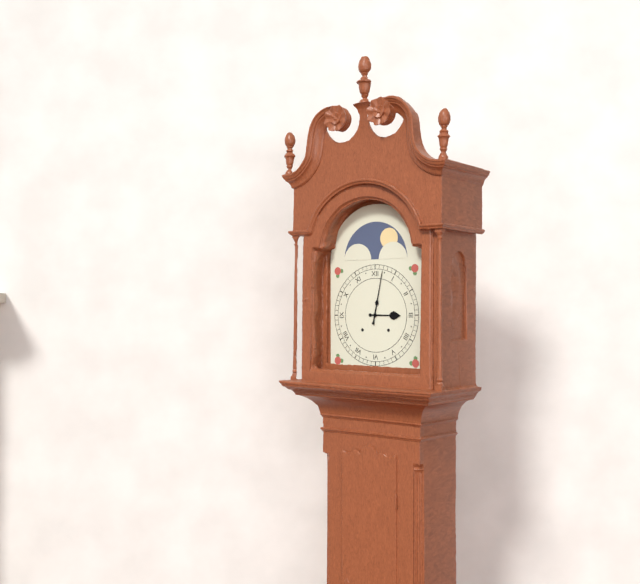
3:02
